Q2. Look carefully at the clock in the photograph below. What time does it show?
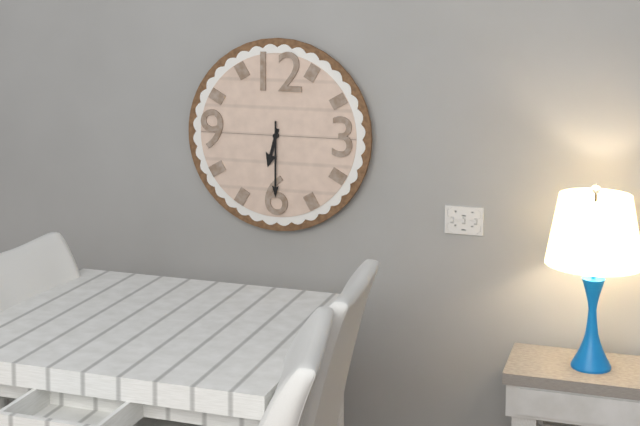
6:30
